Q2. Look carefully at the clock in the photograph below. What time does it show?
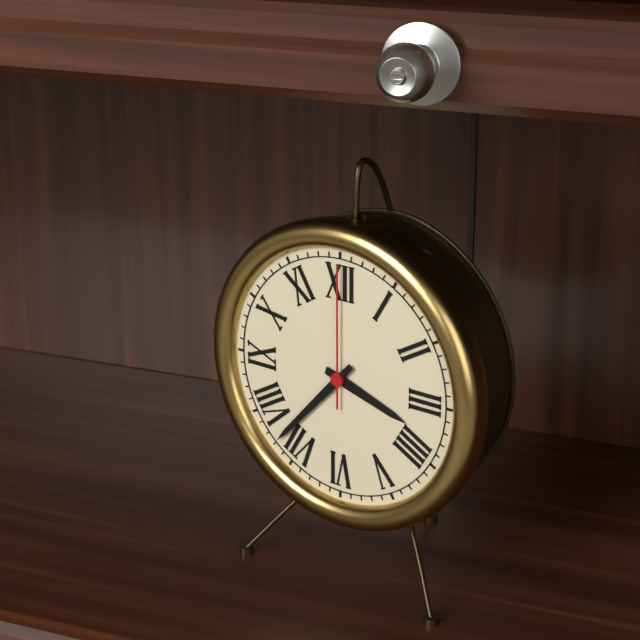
3:37:00
